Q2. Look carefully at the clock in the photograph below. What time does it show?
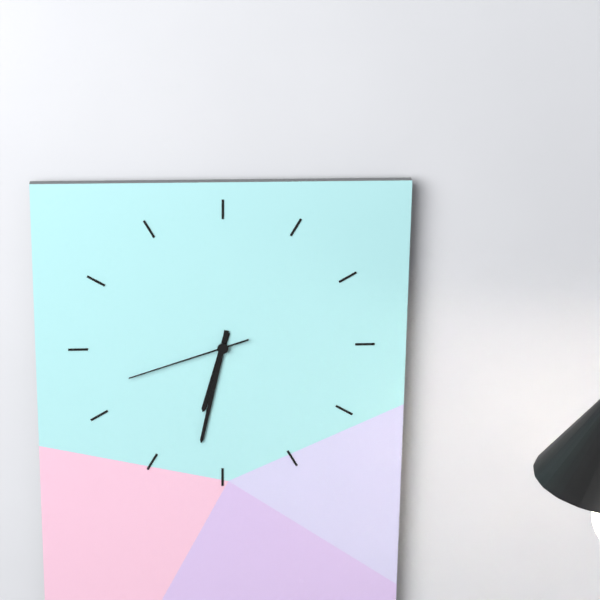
6:32:42
